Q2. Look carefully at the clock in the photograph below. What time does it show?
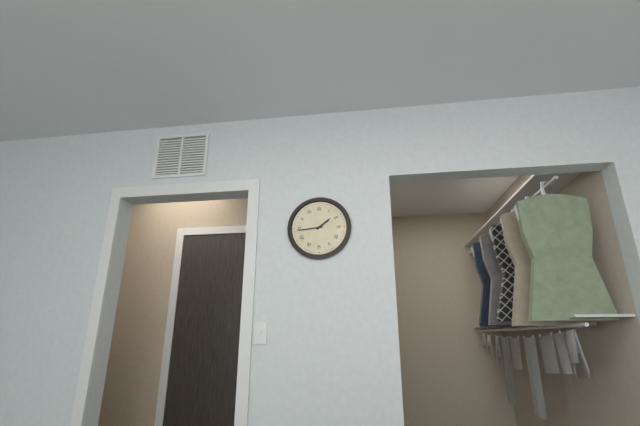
1:44
